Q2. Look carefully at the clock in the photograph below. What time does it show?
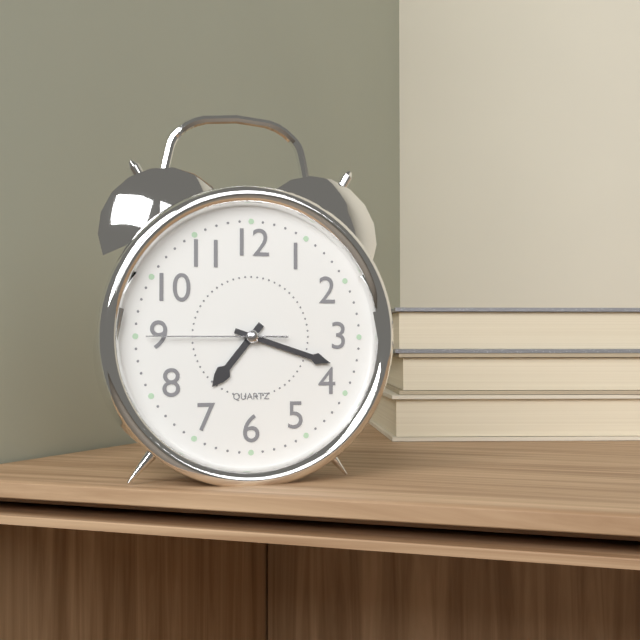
7:18:45
